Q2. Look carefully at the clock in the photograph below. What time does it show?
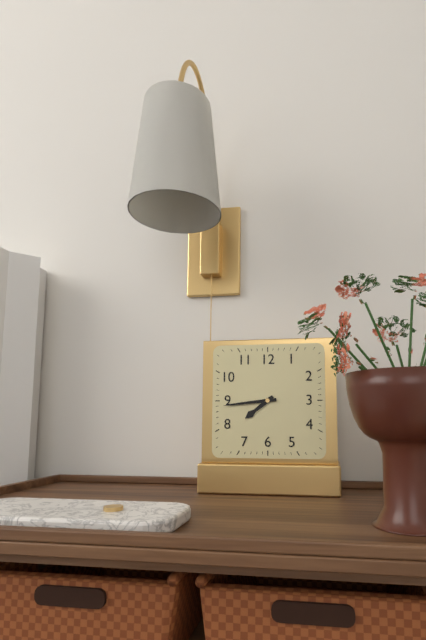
7:44
